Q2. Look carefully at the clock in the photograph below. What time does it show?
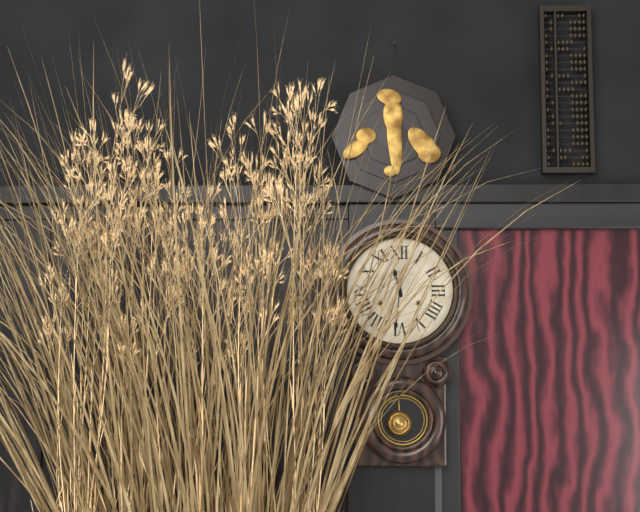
11:31
